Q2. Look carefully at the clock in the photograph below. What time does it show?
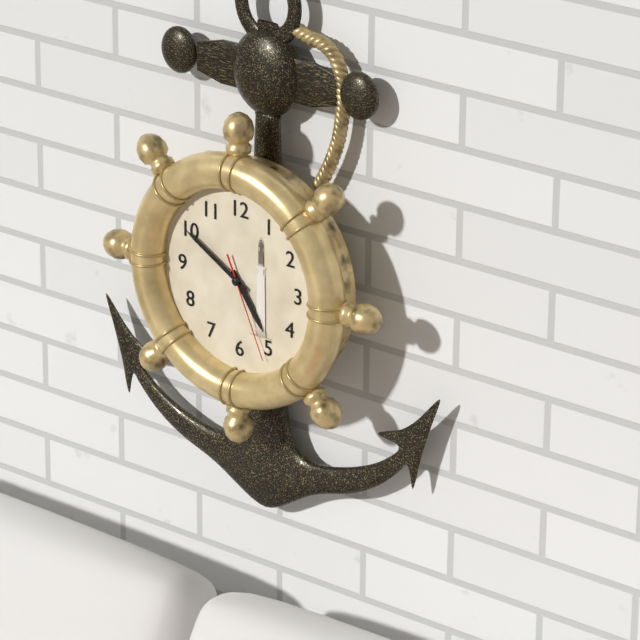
4:50:26
